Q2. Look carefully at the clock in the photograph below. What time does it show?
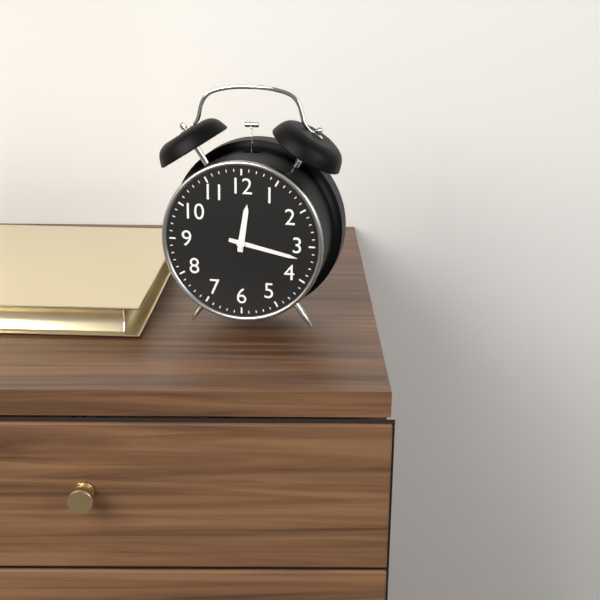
12:17
